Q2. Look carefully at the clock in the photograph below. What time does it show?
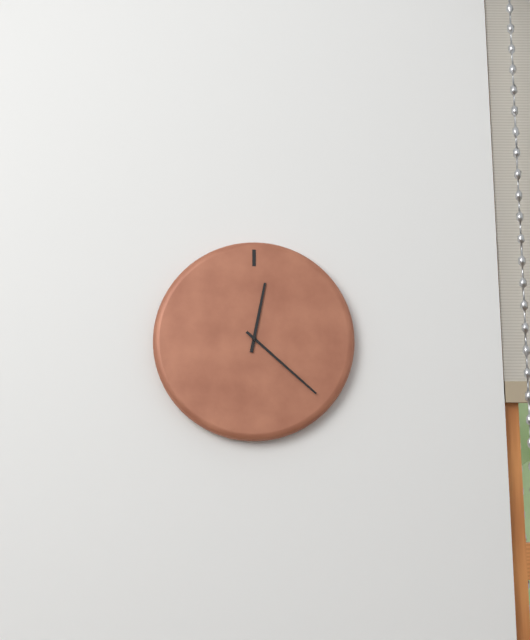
12:22
